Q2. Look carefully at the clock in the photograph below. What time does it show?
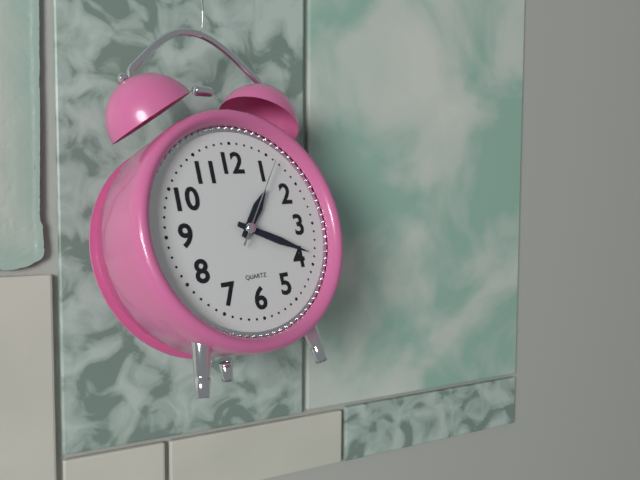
1:19:06
